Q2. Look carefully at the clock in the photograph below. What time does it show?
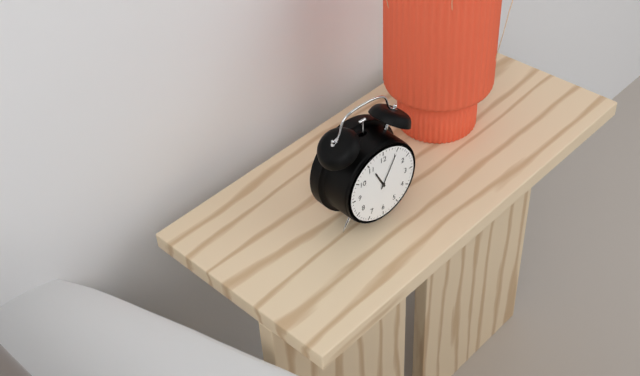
11:05
